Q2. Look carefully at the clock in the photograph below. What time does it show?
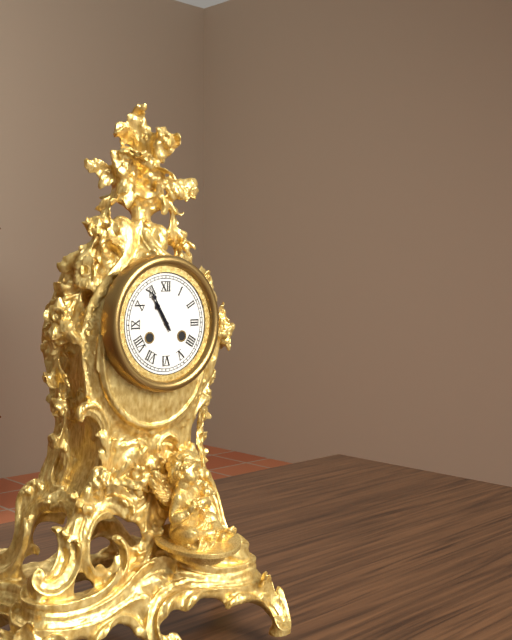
10:55
